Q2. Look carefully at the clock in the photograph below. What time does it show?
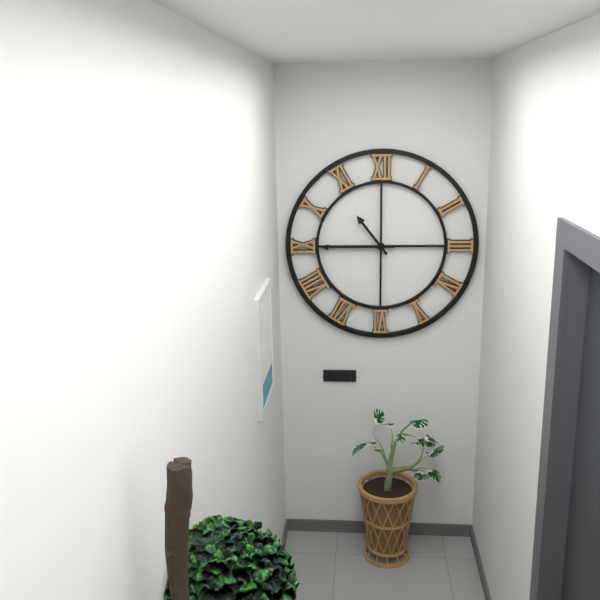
10:45
